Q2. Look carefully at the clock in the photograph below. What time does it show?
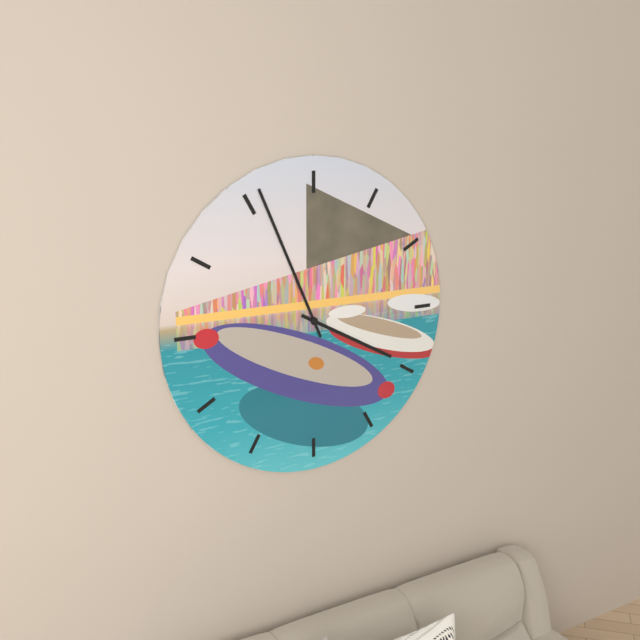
3:56
